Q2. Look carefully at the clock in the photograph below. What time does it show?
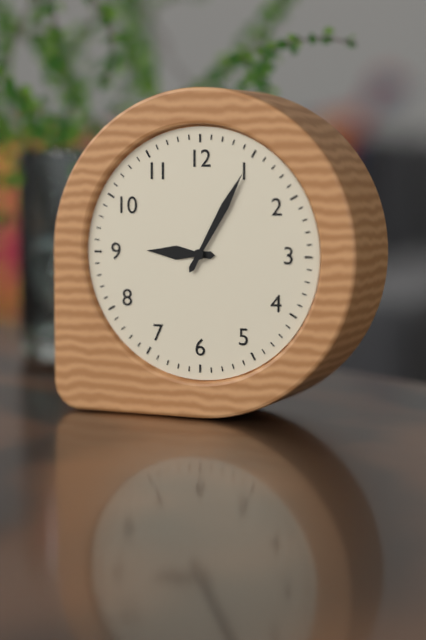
9:05
